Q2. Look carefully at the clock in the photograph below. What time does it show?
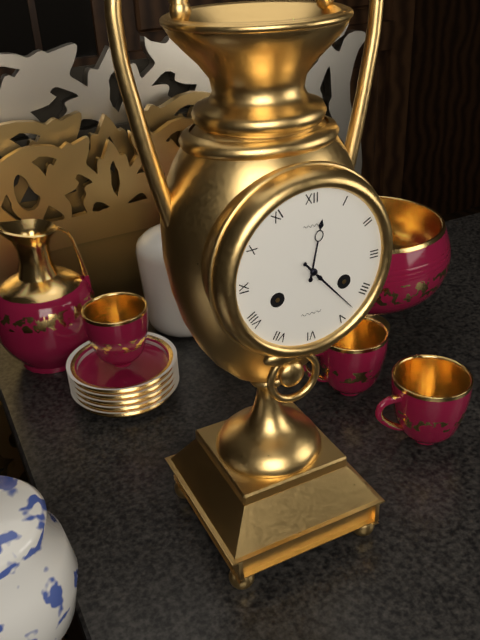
12:23
